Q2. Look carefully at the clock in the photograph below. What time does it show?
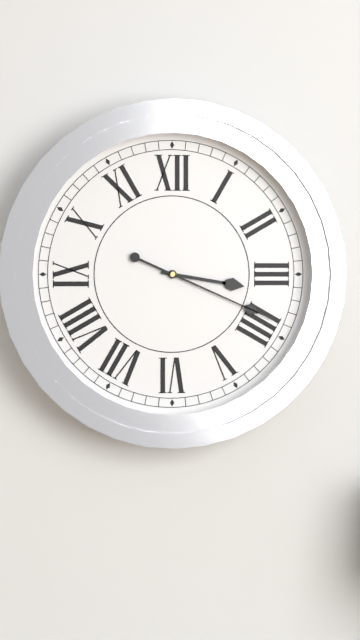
3:19
